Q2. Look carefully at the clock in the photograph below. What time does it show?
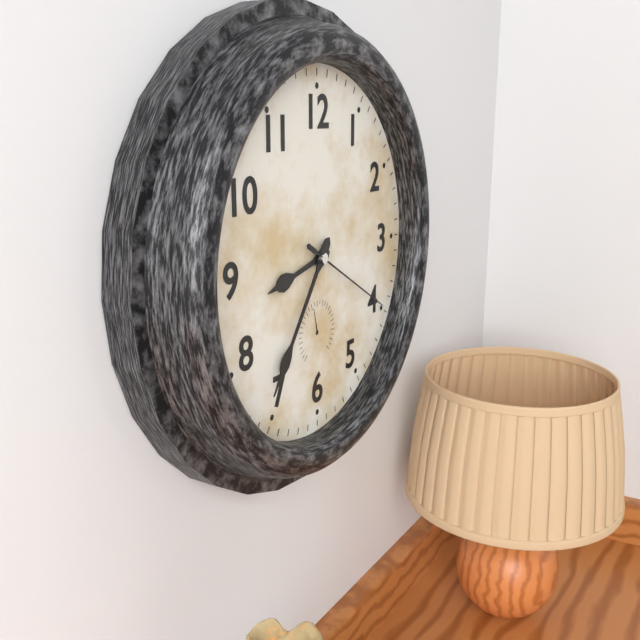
8:36:20
